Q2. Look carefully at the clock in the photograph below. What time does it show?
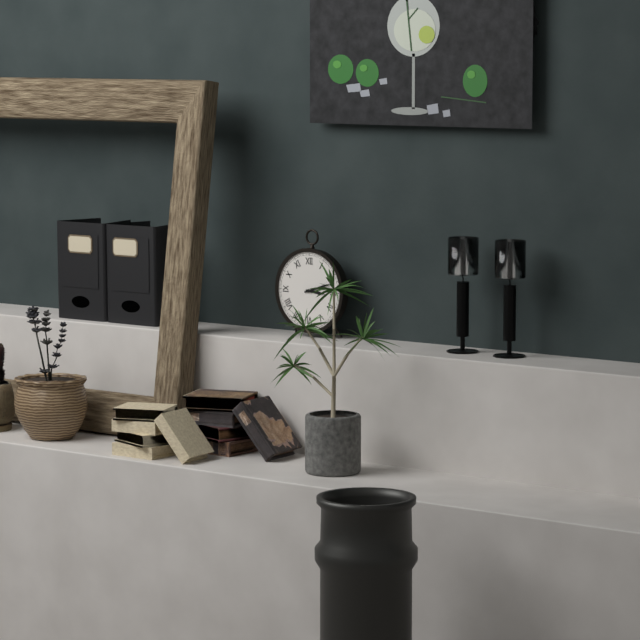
3:12
